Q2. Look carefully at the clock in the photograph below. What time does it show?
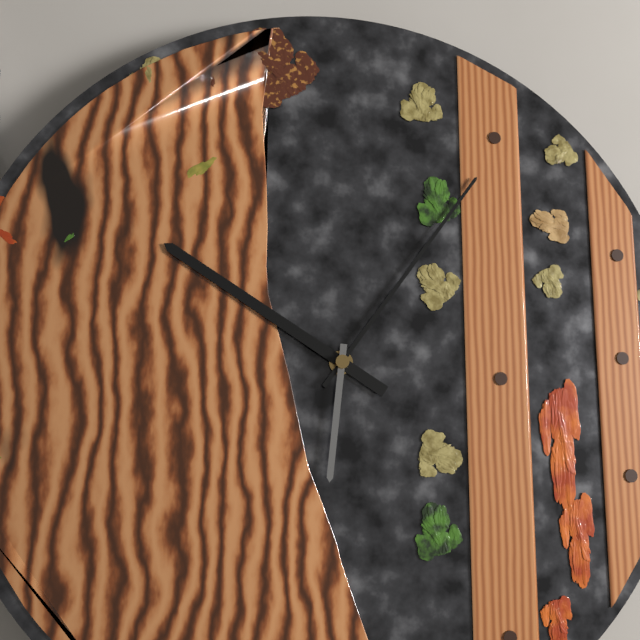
10:06:31
